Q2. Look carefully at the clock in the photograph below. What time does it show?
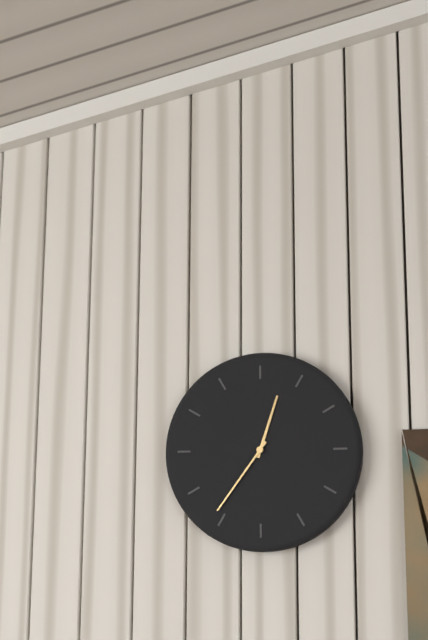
12:36
